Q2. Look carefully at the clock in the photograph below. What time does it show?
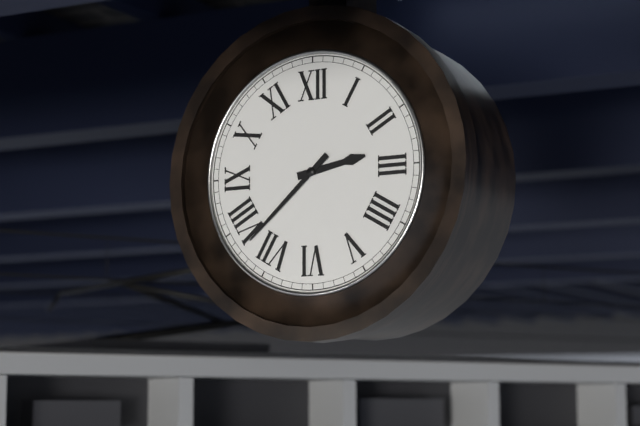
2:38
